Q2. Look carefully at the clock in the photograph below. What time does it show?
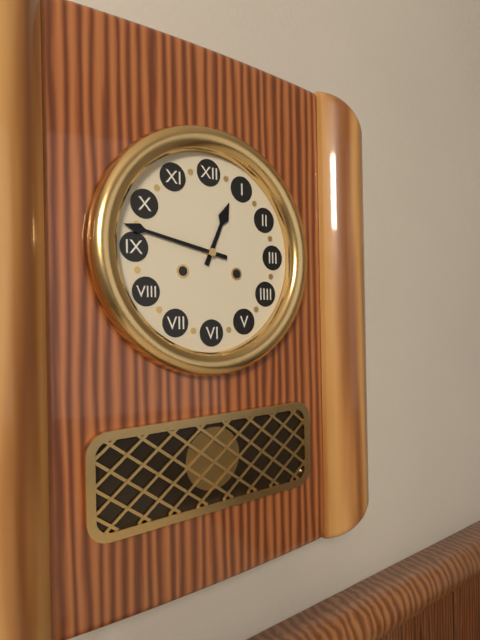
12:47
